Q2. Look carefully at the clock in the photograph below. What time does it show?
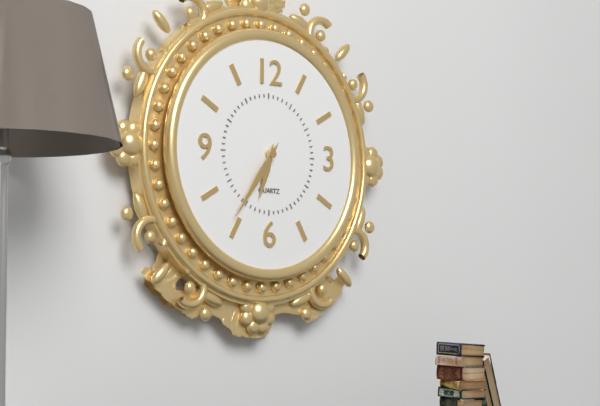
6:36
